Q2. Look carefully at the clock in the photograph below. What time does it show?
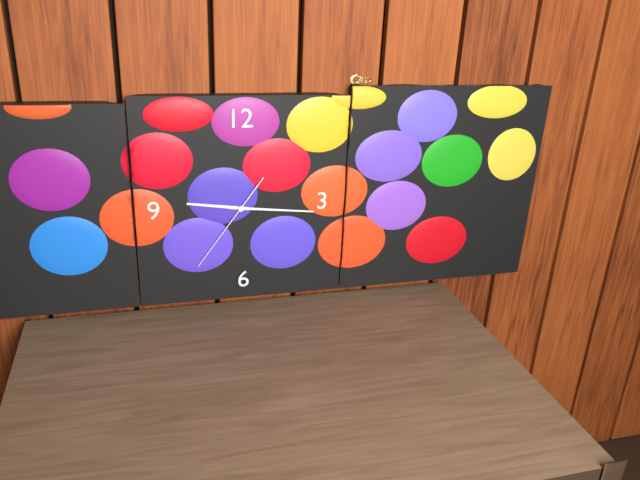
9:16:36
